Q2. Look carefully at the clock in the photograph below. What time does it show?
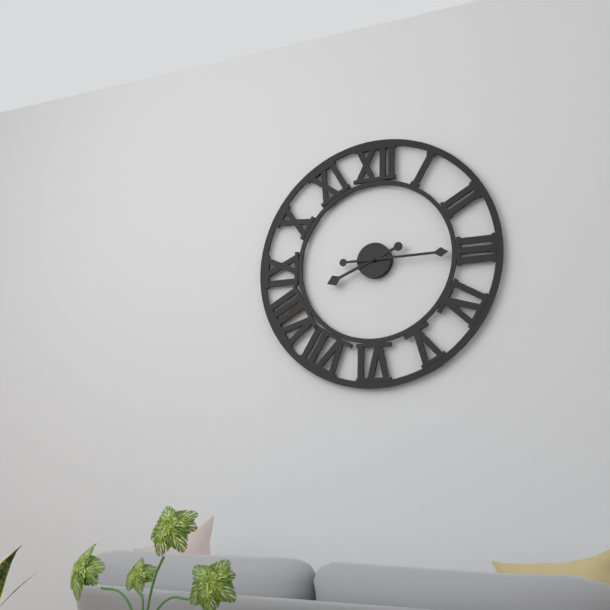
8:15
